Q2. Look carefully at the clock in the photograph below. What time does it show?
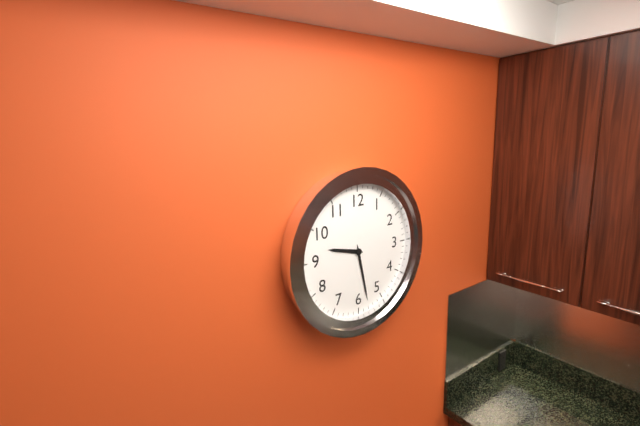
9:28
